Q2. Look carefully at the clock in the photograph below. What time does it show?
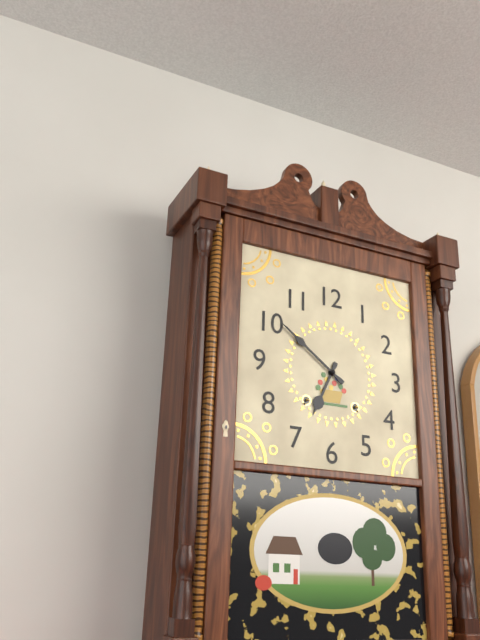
6:51
